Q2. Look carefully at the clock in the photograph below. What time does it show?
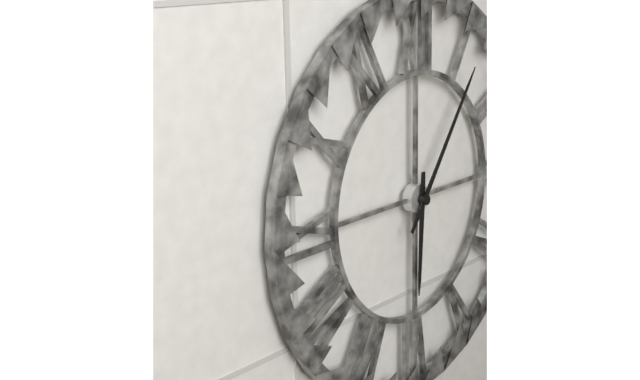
6:06
